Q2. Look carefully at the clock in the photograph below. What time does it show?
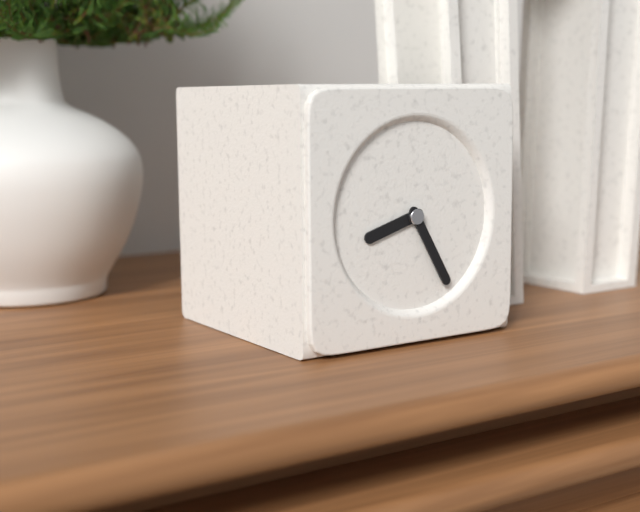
8:25
